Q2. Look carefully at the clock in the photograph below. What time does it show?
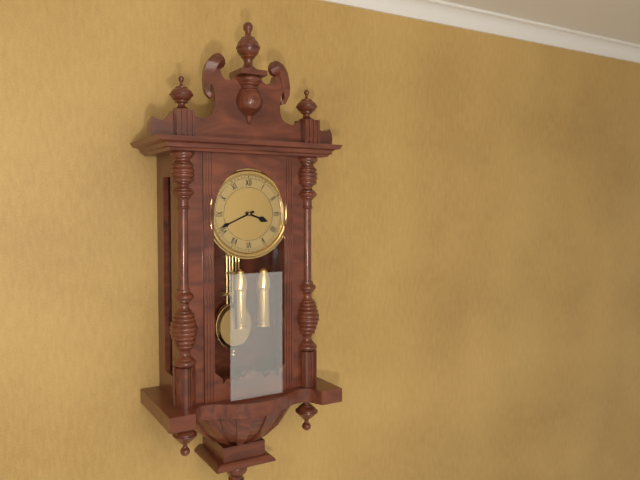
3:41
